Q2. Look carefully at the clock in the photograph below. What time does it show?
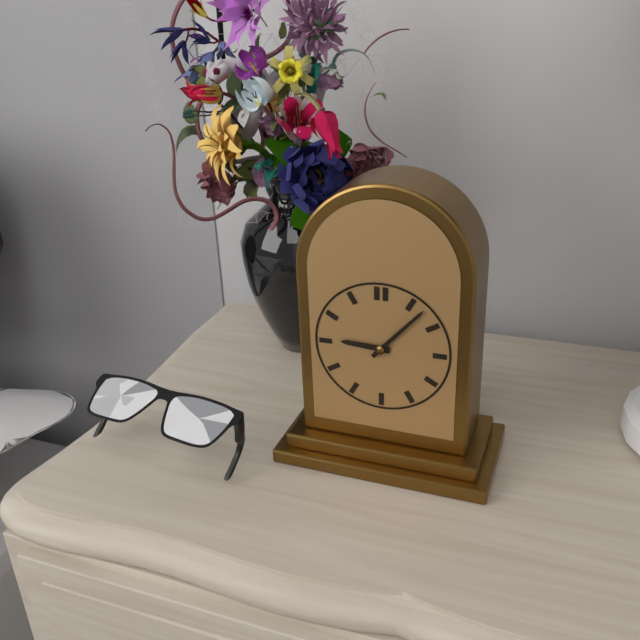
9:07
